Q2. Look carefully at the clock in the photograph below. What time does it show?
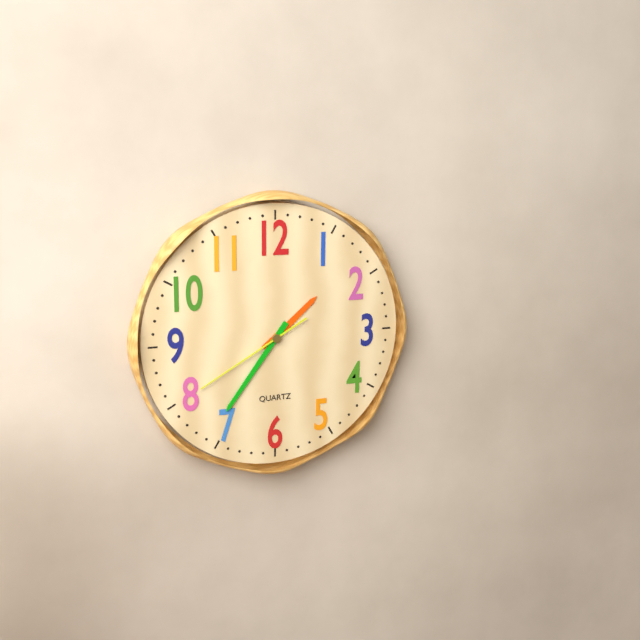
1:36:40
